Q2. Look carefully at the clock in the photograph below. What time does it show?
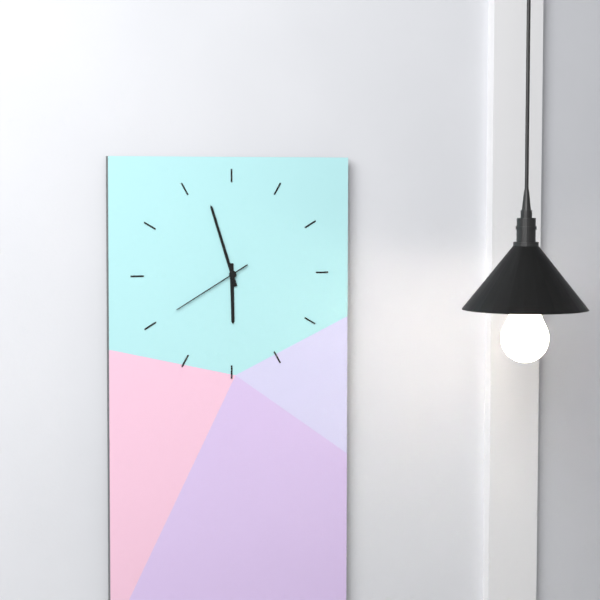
5:57:40
